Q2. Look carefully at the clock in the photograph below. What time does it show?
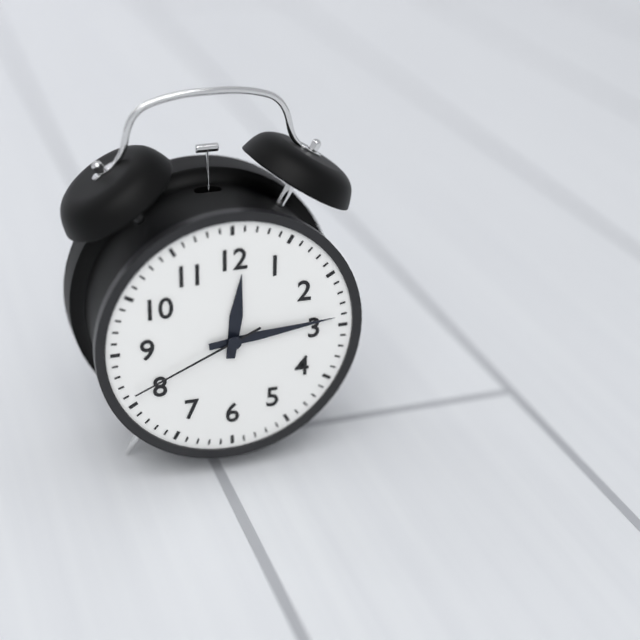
12:14:41
